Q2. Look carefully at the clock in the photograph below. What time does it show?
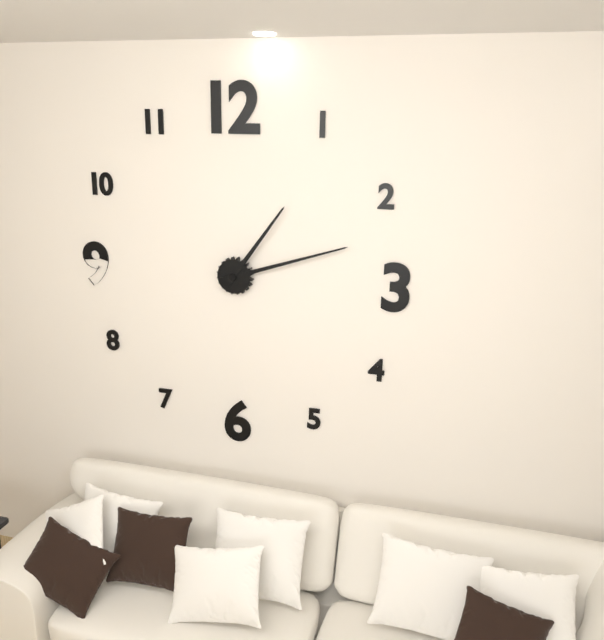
1:12
